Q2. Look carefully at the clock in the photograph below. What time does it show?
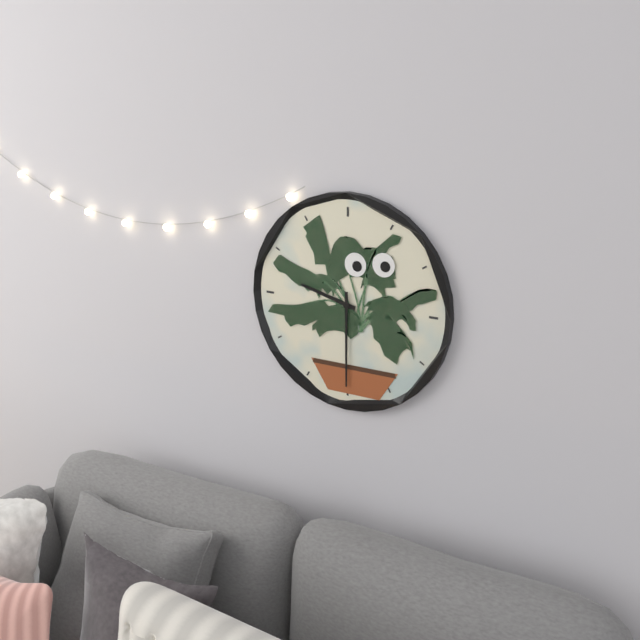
9:30
